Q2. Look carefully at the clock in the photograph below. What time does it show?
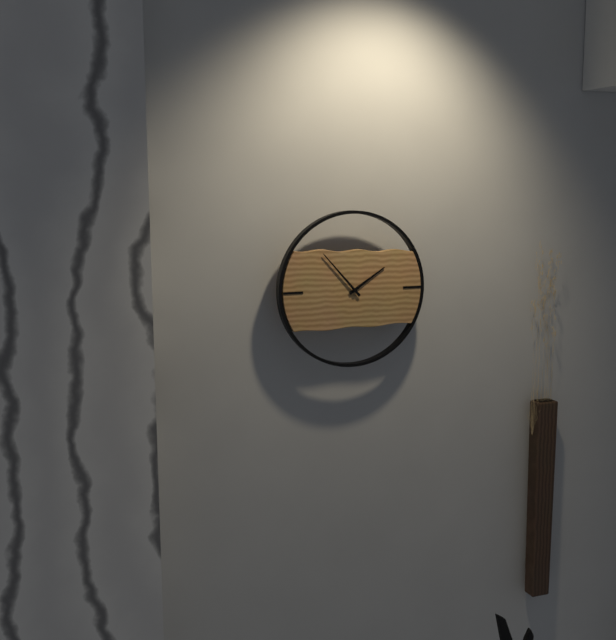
1:53
